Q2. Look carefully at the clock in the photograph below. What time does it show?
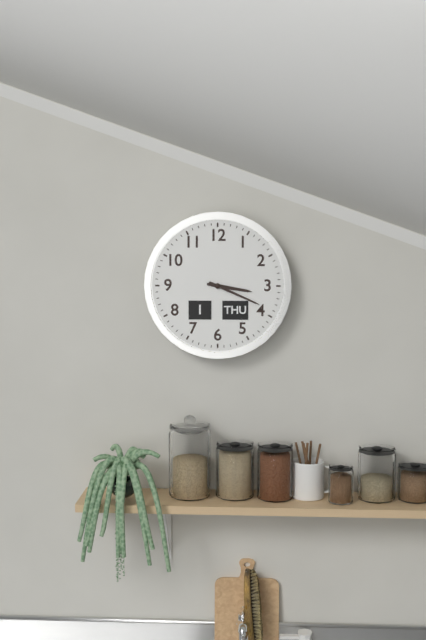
3:19
